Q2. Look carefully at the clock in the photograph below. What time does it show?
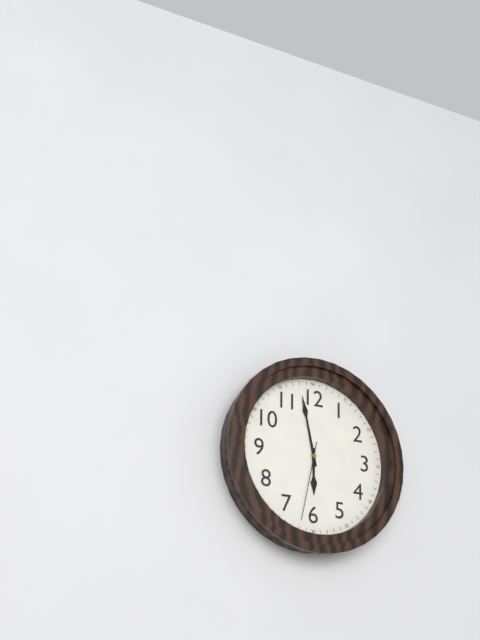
5:58:32
